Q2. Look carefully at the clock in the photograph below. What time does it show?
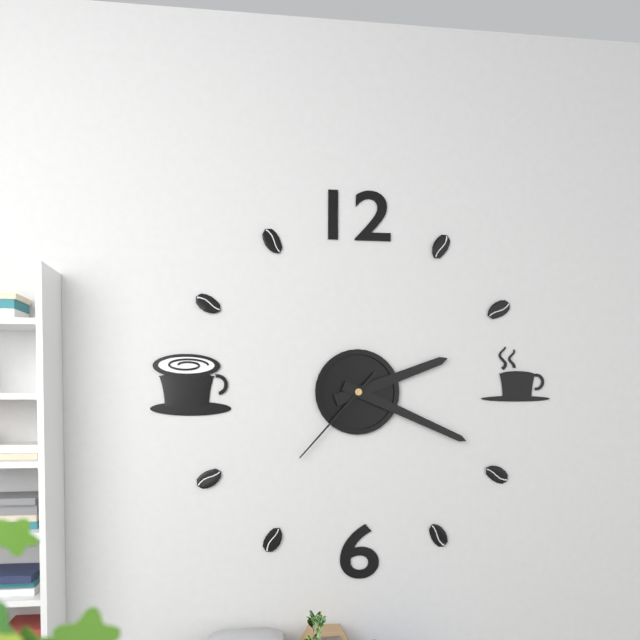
2:19:37
